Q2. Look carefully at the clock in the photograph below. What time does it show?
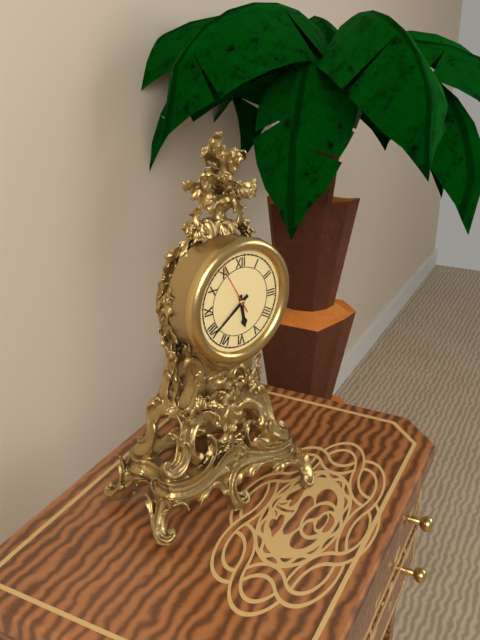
5:39
